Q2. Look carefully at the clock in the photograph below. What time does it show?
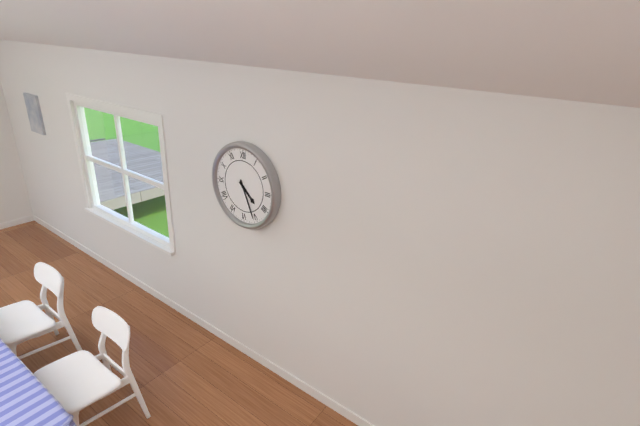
4:26
